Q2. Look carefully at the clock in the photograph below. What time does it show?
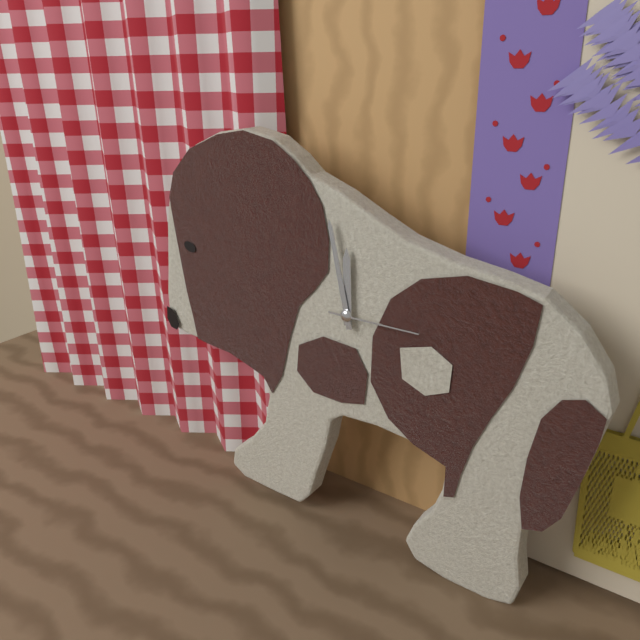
11:58:15
